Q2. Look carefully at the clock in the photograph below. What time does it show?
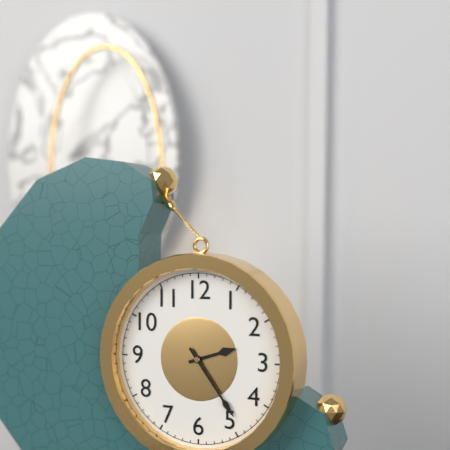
2:24
